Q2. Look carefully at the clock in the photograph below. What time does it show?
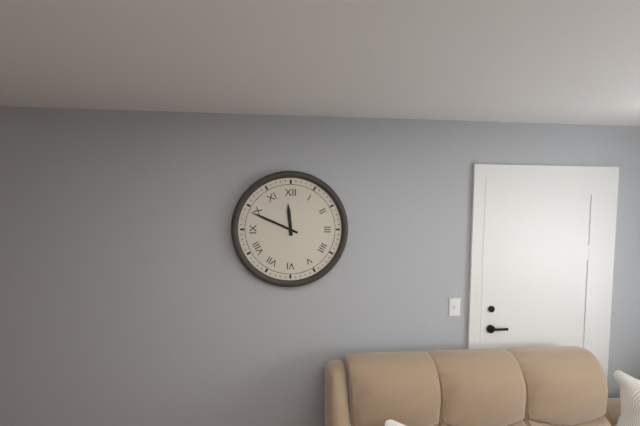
11:49
